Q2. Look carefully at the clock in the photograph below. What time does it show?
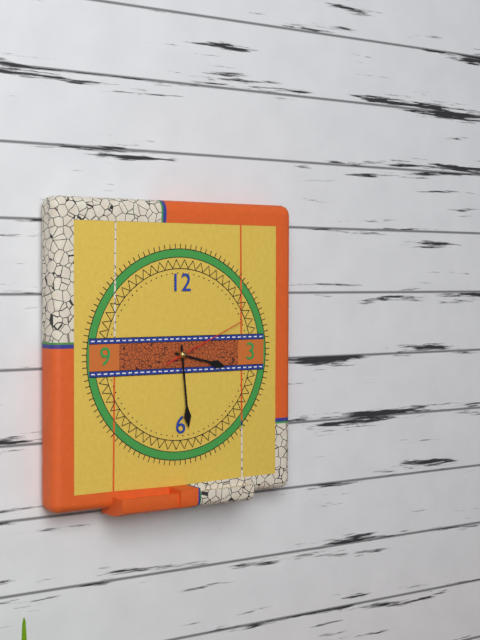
3:29:11
